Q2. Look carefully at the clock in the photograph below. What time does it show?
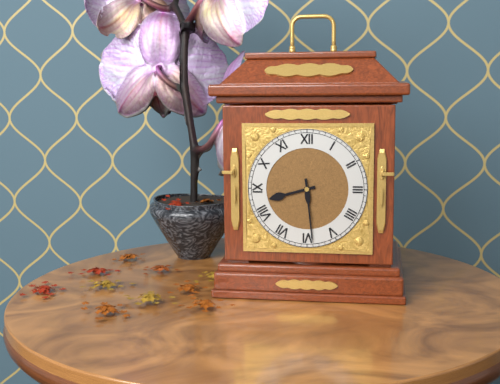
8:29
